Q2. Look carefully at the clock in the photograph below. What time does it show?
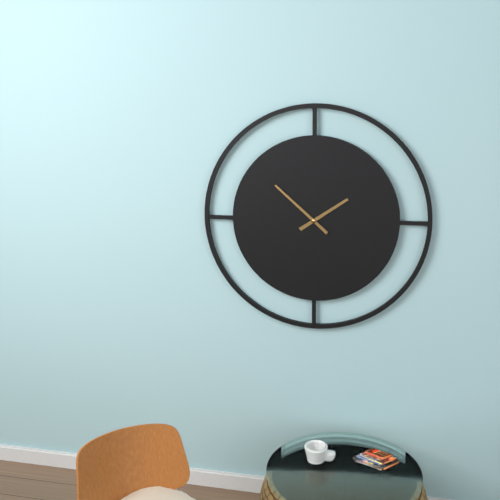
1:52
